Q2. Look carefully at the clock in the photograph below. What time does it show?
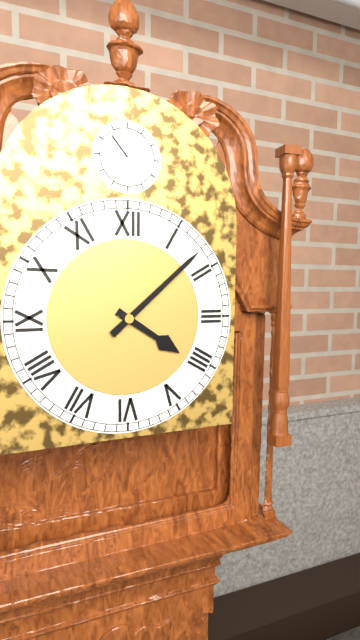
4:08
